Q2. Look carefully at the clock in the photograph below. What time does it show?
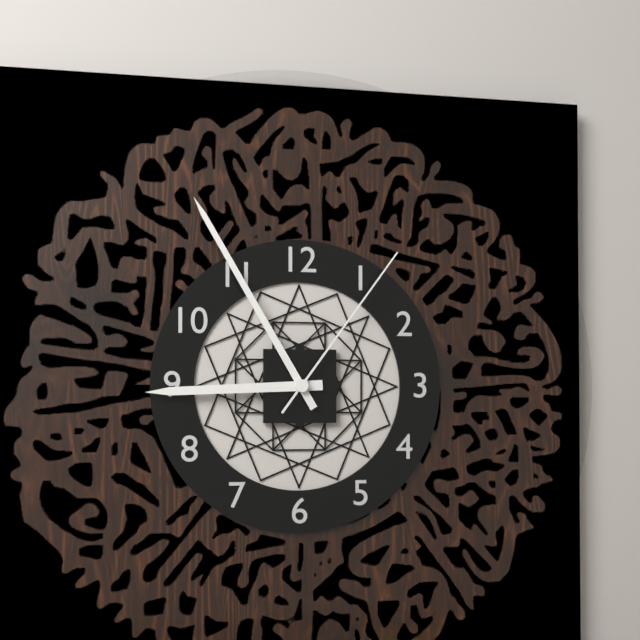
8:55:06
